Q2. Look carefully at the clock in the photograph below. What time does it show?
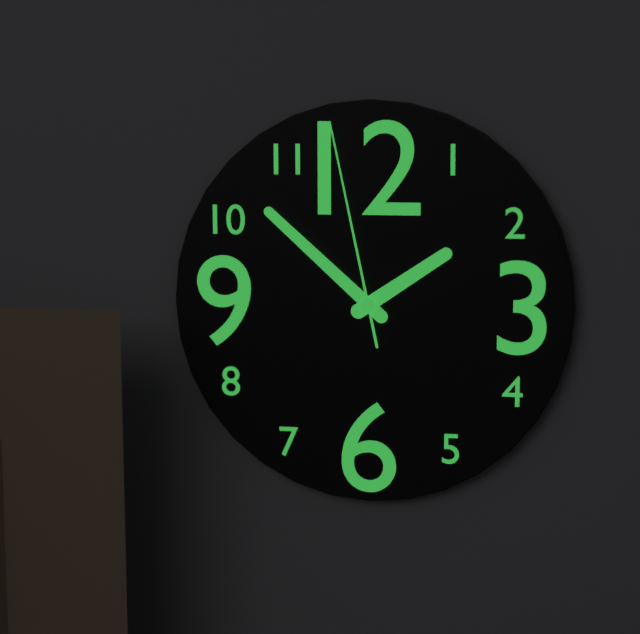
1:52:58
